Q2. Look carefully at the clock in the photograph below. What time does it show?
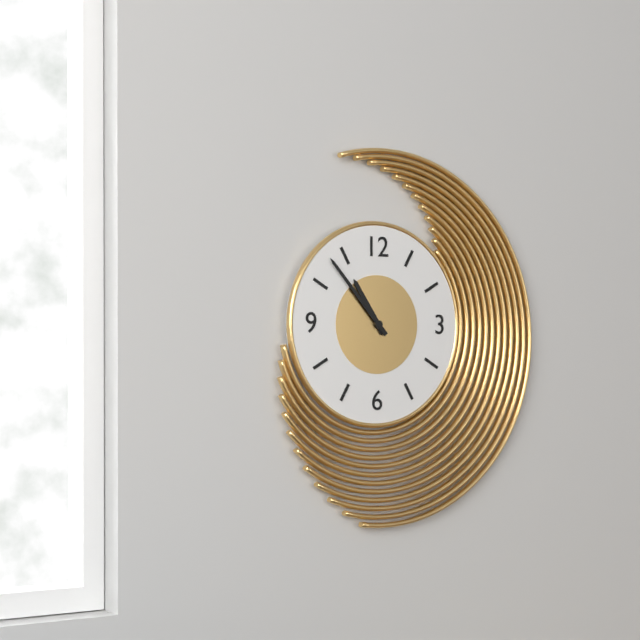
10:53
